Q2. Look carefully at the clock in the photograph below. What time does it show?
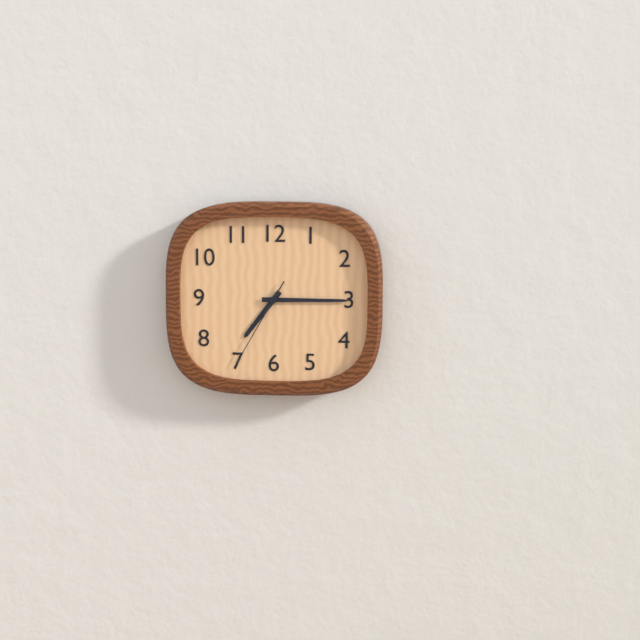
7:15:35
